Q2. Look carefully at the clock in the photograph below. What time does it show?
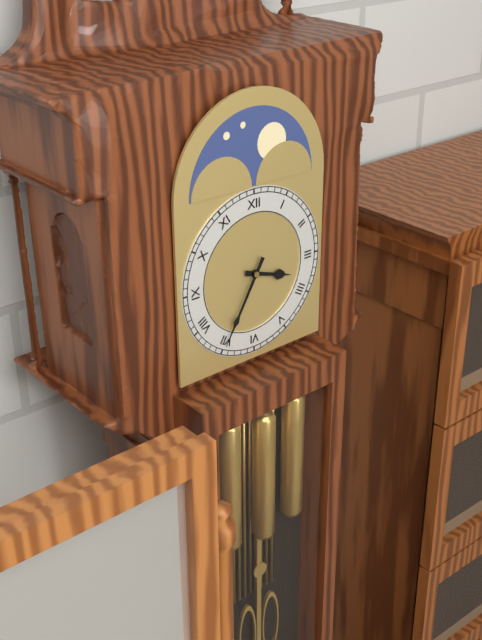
3:35
